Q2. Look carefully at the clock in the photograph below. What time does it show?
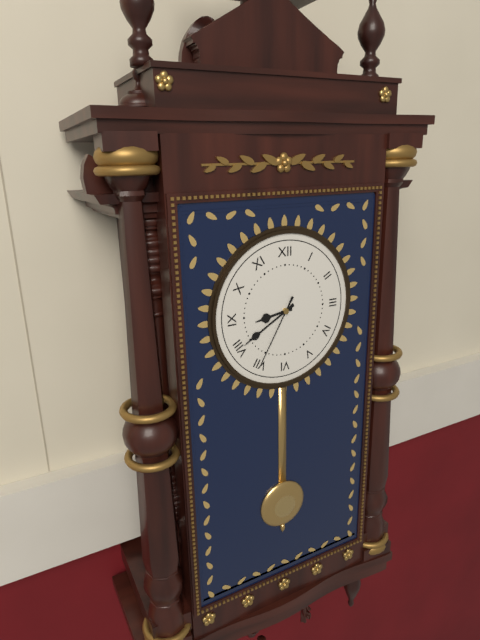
8:40:35
